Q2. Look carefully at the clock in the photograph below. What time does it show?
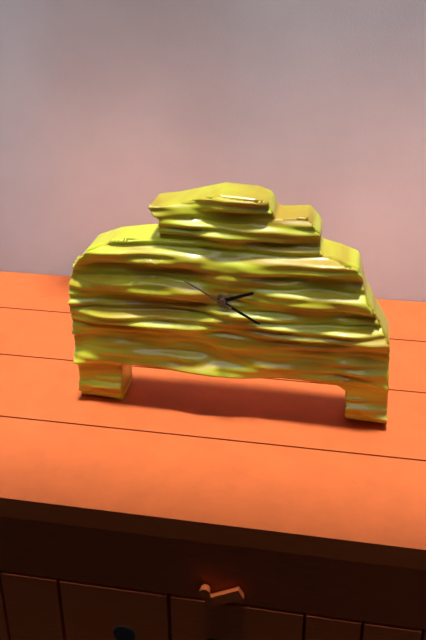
2:20:50
